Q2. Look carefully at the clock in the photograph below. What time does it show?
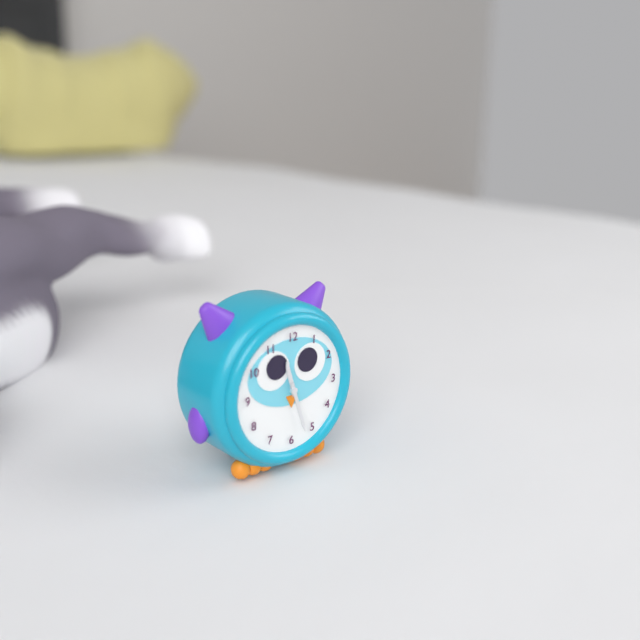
11:27
